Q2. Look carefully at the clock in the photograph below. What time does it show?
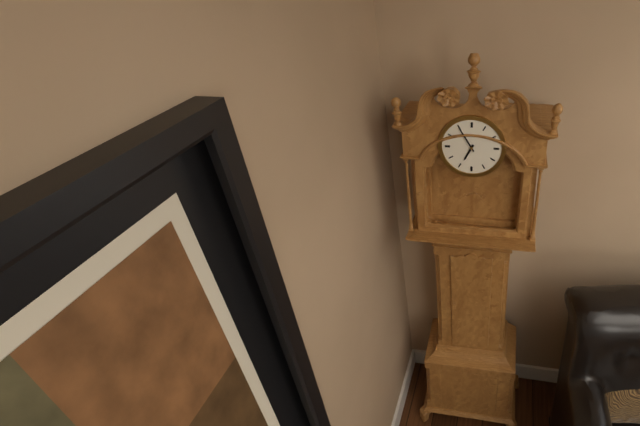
6:55
